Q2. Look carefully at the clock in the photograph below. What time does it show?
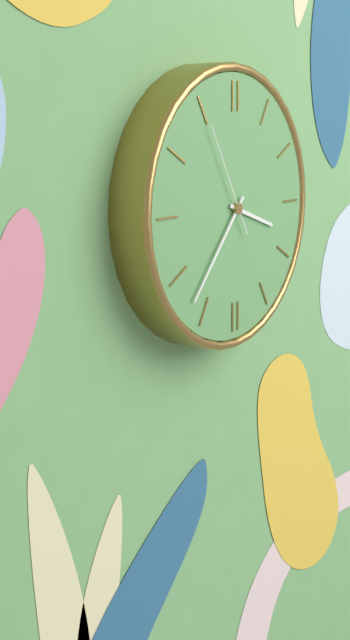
3:37:55
